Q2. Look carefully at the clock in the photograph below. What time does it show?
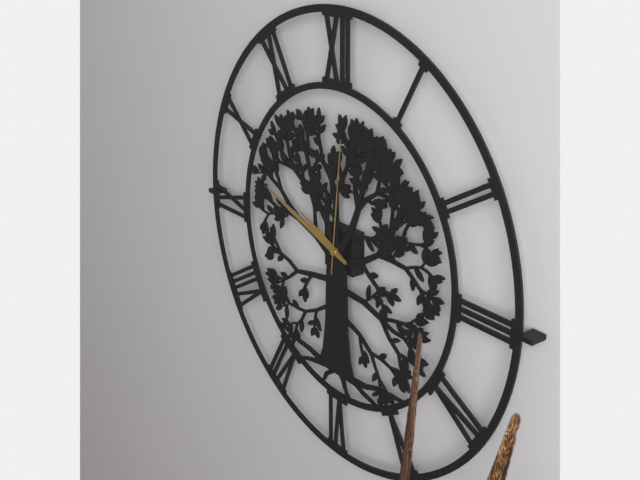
9:48:01
